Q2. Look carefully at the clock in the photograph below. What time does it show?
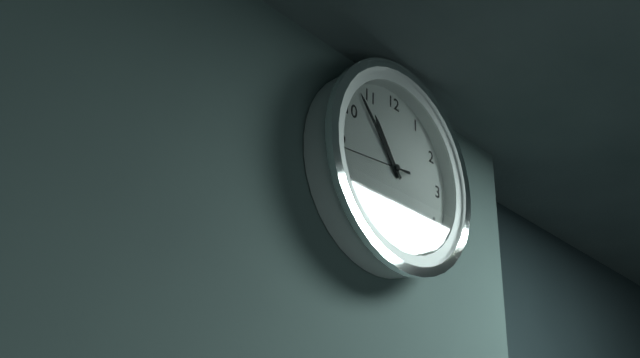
10:53:44
